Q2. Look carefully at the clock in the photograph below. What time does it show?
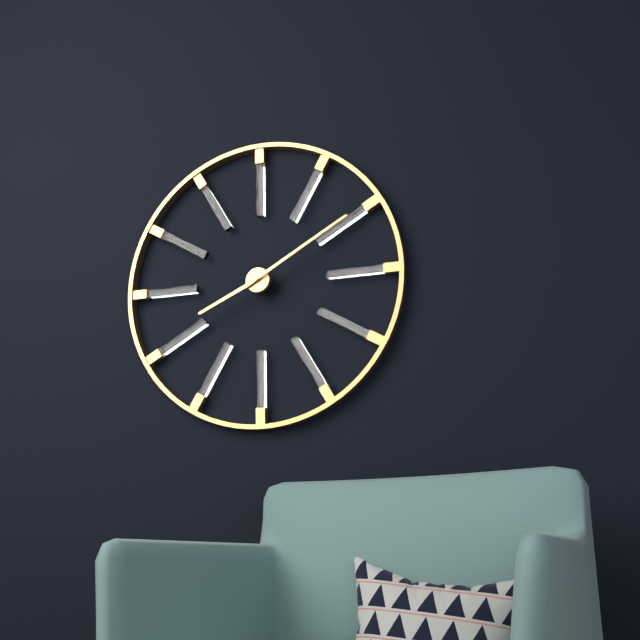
8:10
